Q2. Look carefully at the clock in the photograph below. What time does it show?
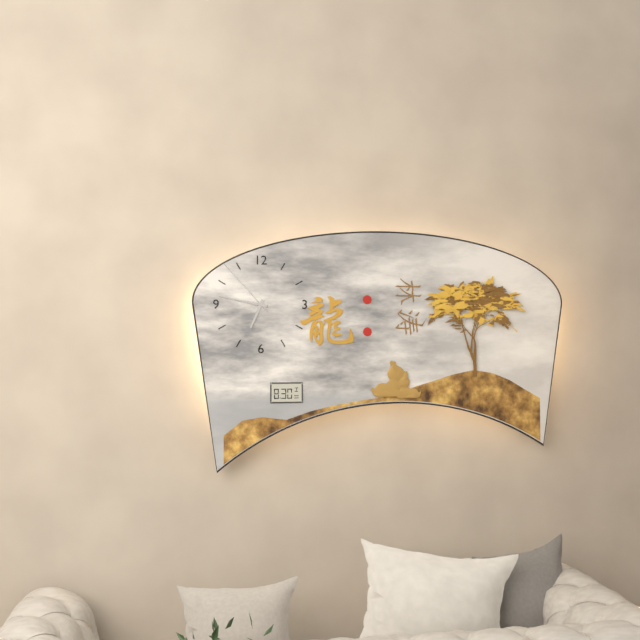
6:47:53
